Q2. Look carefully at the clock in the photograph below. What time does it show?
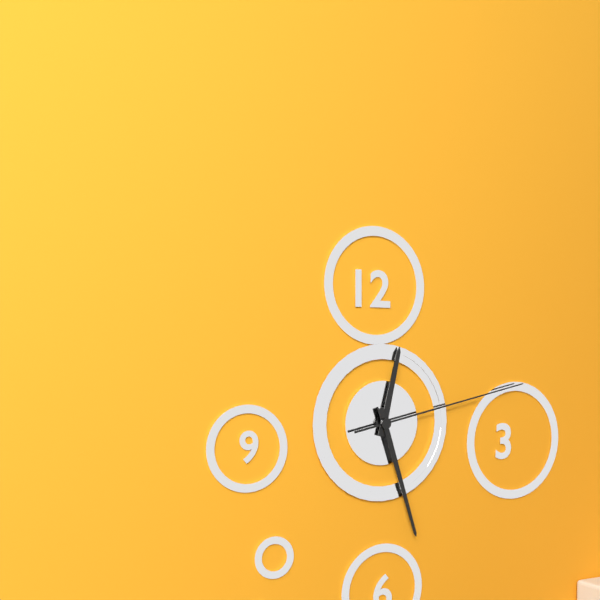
12:27:13
